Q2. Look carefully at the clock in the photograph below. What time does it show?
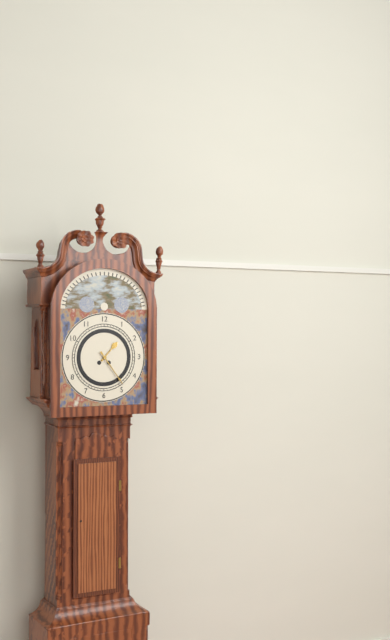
1:24
